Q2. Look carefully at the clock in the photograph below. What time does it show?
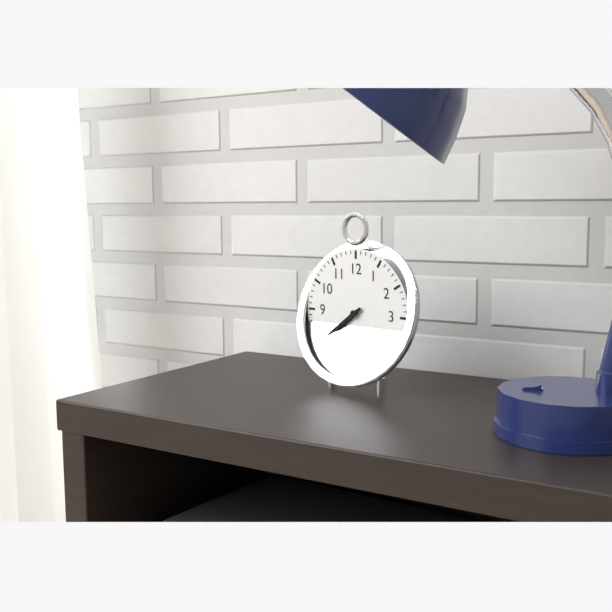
7:39
